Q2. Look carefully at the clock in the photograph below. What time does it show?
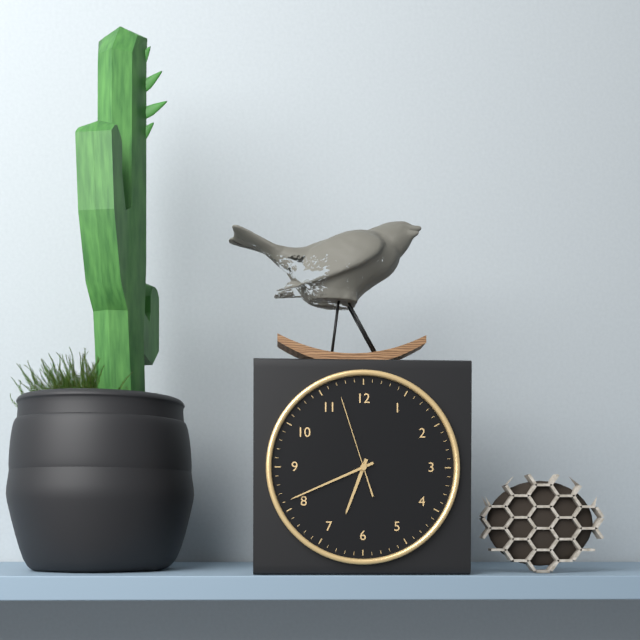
6:41:57
